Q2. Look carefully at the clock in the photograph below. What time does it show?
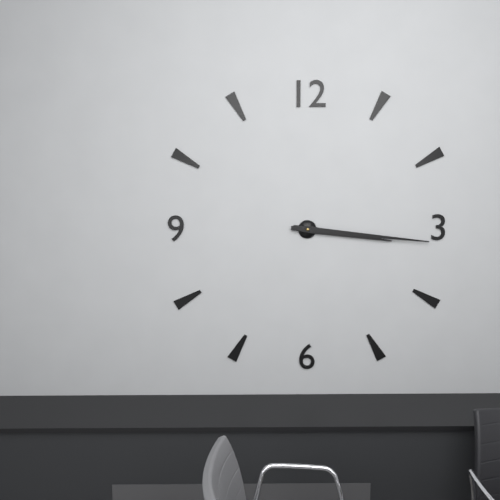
3:16
